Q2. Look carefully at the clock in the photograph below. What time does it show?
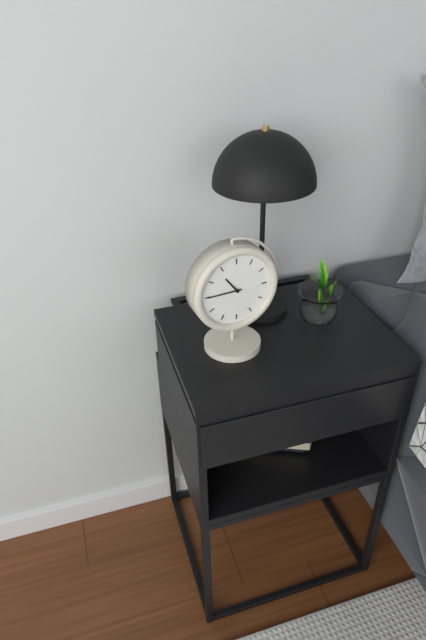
10:45
